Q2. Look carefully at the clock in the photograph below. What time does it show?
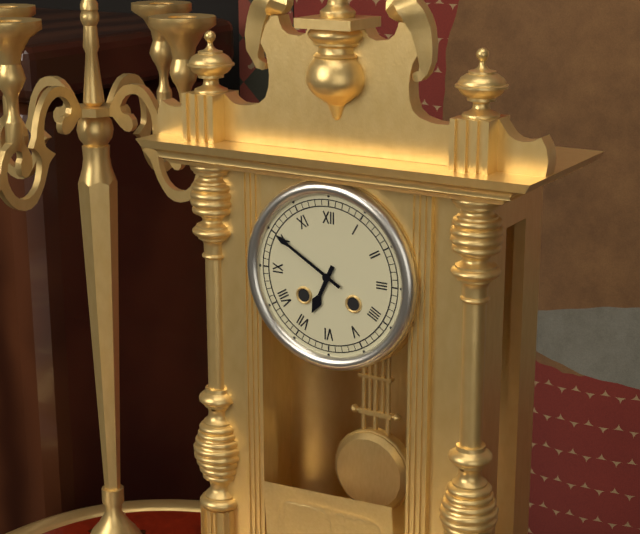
6:50
